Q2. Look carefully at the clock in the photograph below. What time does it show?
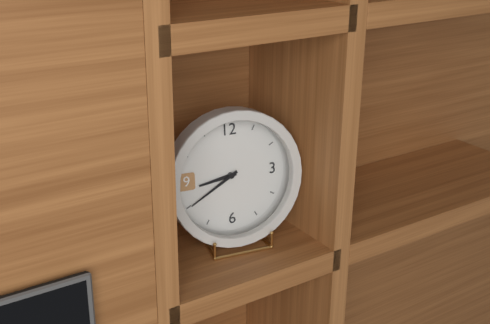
8:40
